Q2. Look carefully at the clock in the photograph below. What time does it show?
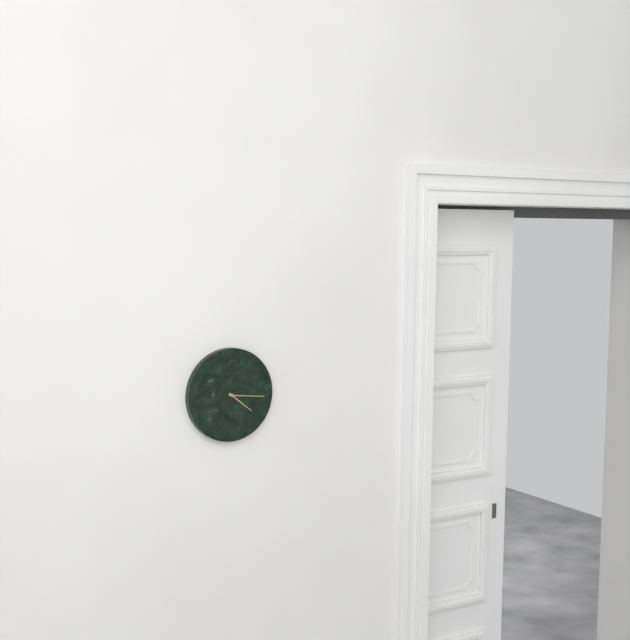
4:16
